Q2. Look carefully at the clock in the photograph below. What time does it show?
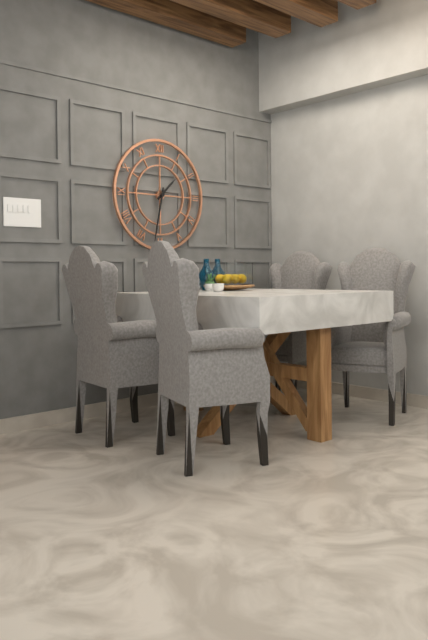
1:32
